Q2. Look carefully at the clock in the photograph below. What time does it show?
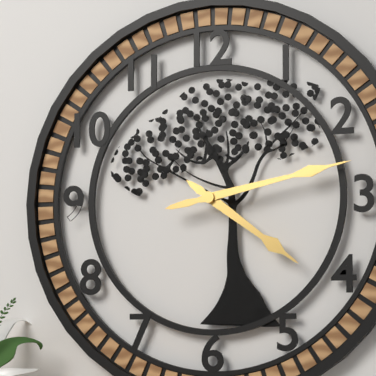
4:13
